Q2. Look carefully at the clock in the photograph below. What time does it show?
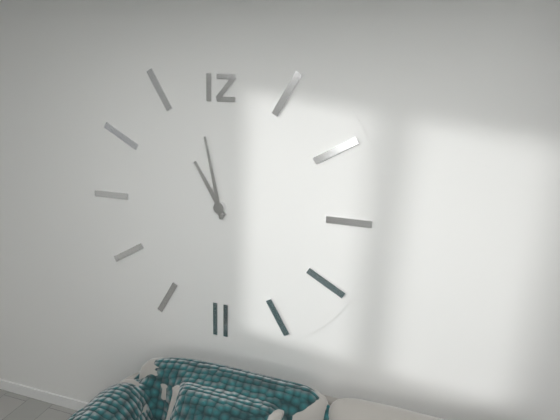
10:58
